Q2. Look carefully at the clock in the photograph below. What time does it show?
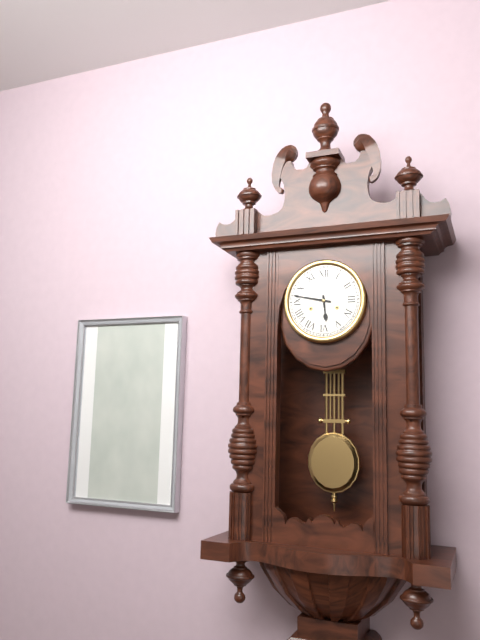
5:47
